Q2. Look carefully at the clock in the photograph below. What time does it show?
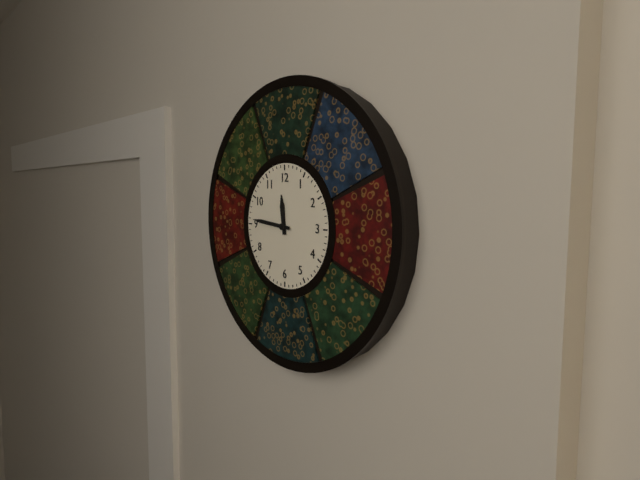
11:46
